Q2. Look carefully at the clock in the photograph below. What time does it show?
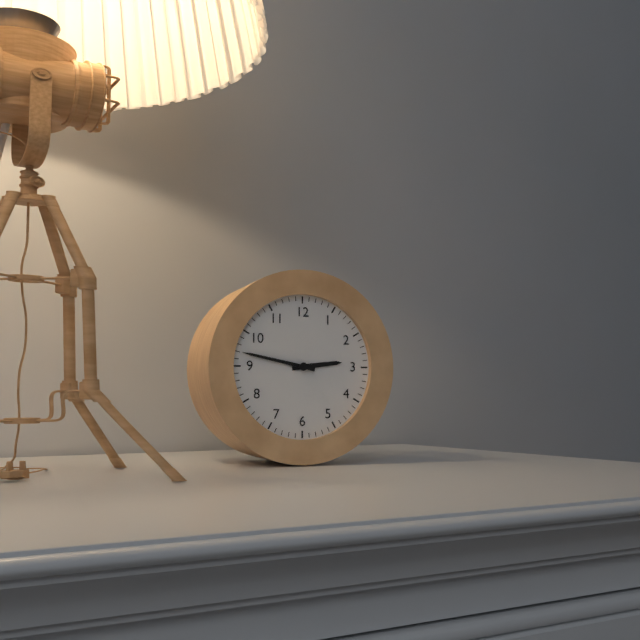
2:47
